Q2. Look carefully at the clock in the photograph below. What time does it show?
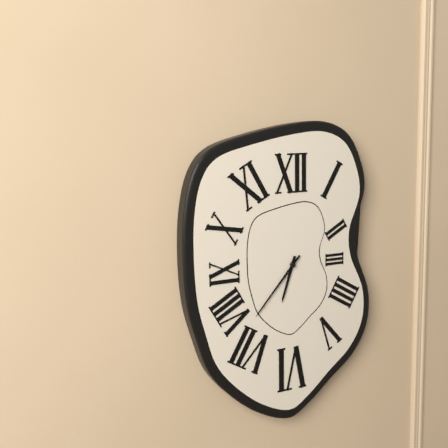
6:37
